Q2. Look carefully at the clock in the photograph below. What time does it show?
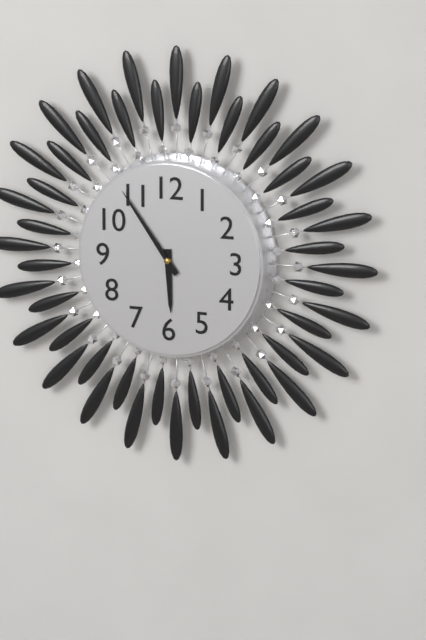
5:54
